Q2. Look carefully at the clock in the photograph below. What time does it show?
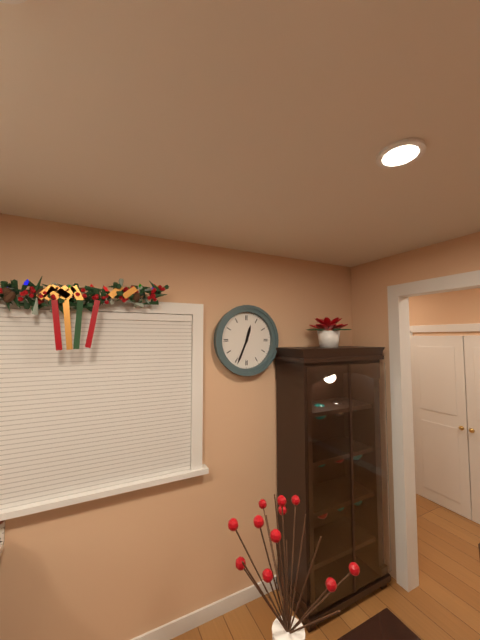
12:34
